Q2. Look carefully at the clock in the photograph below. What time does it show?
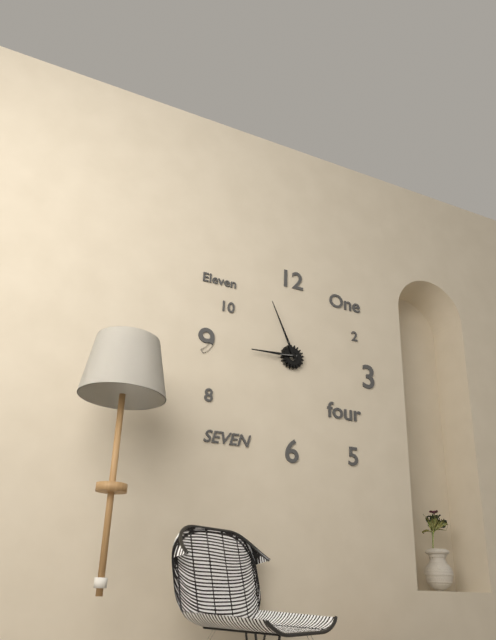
8:56
